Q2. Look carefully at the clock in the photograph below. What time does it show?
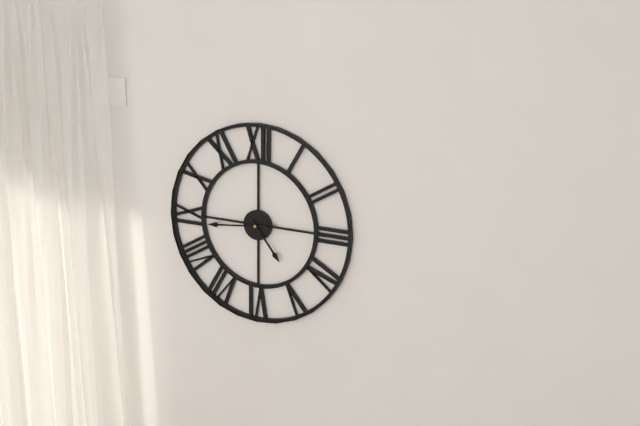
4:44
